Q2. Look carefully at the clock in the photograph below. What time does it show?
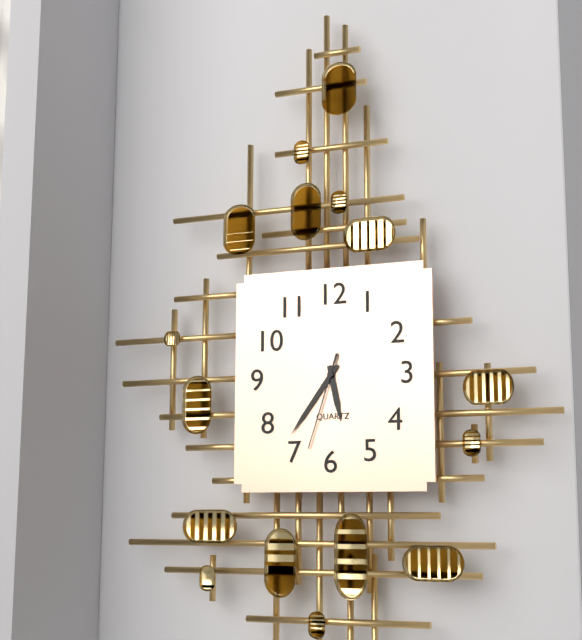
5:36:33
